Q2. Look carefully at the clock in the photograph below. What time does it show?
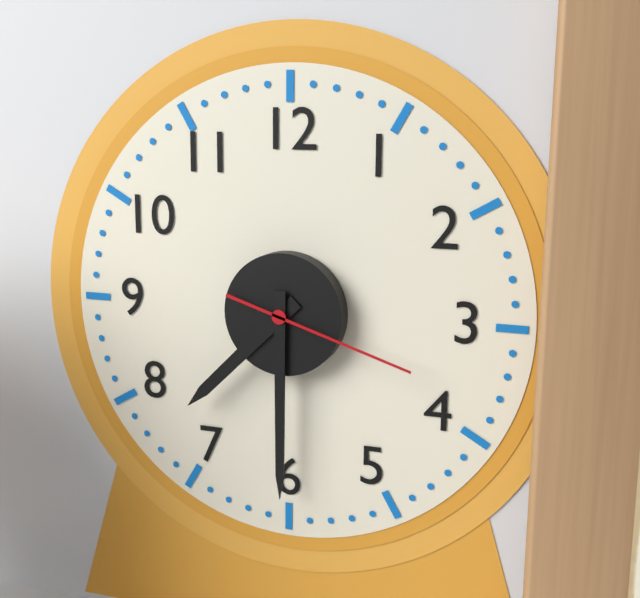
7:30:18
